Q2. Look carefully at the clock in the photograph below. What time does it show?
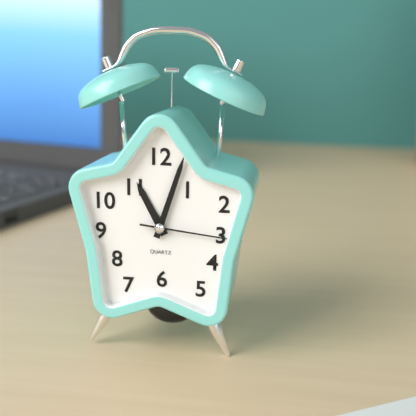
11:03:16
